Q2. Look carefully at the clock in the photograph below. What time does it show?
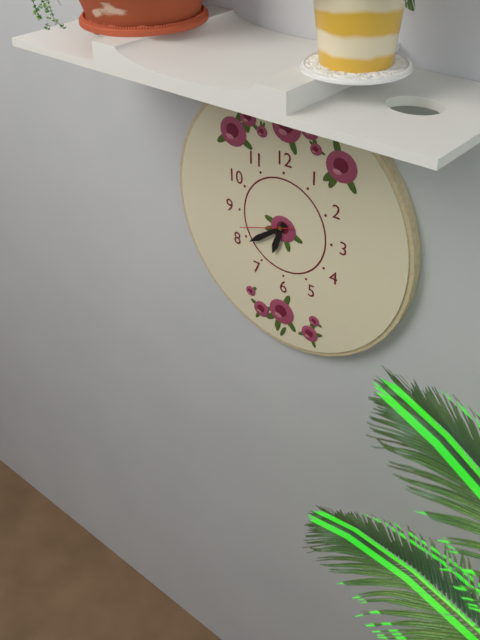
6:39:42
